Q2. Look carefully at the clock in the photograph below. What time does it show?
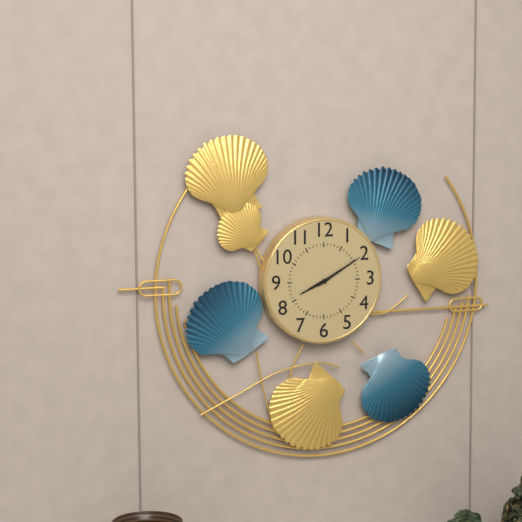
8:10
